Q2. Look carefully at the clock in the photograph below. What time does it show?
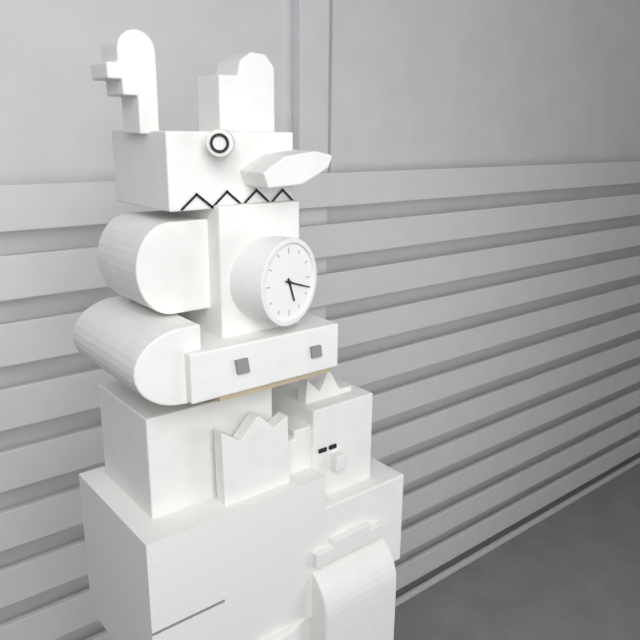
5:18
